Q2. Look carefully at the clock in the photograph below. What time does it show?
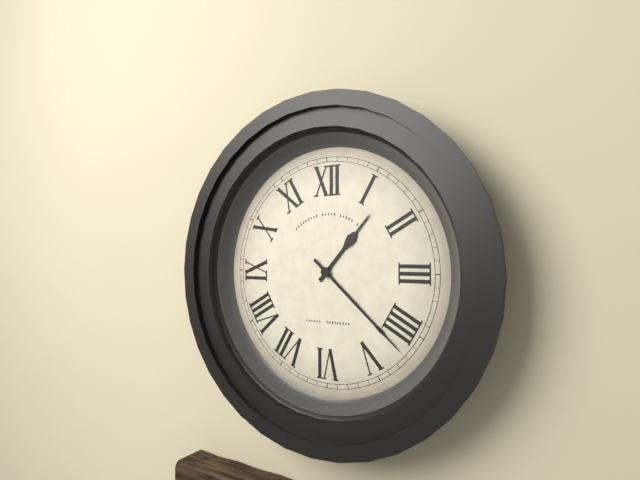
1:22
